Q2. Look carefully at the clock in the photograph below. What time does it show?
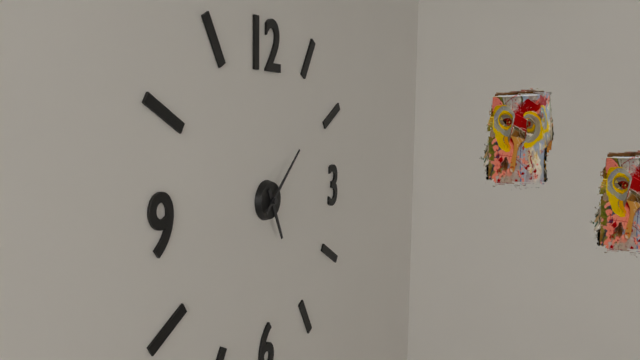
5:08
